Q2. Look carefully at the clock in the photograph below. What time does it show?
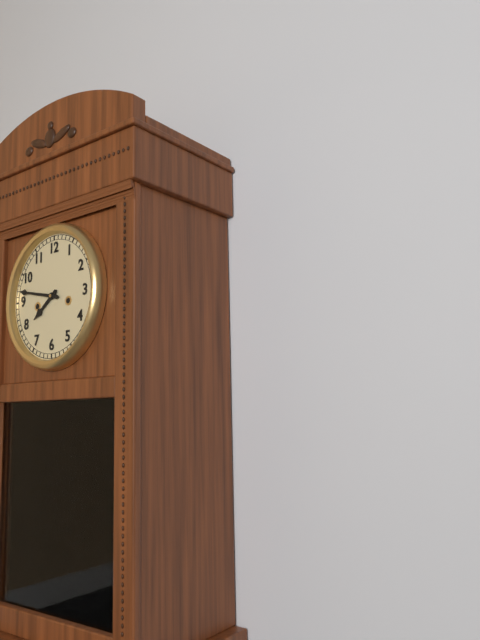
7:47
